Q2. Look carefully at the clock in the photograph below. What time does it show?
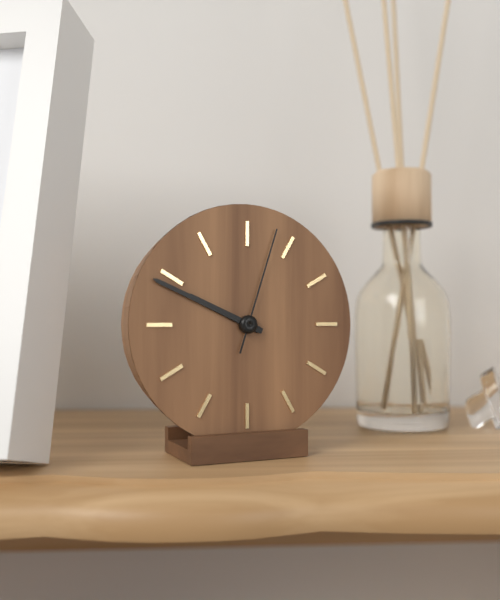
9:49:03
